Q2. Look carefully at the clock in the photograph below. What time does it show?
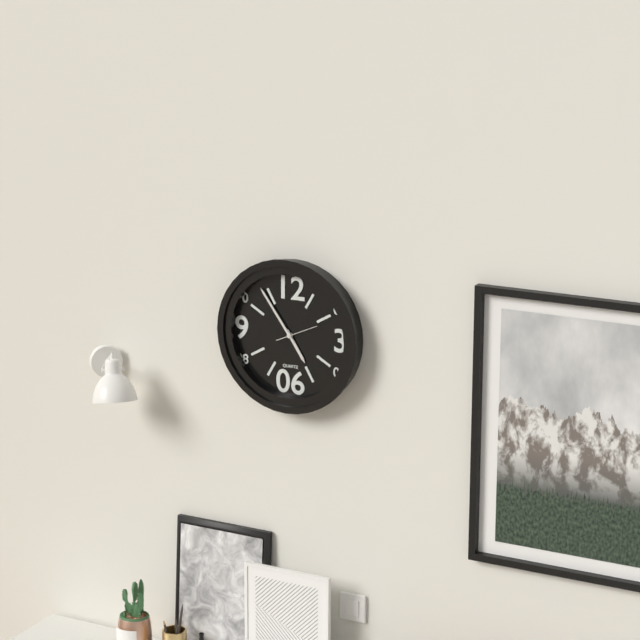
4:54
